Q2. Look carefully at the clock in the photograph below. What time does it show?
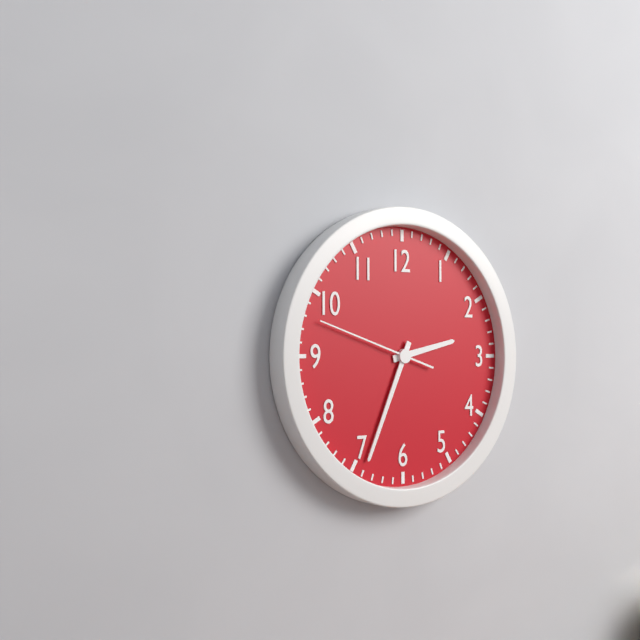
2:34:48
